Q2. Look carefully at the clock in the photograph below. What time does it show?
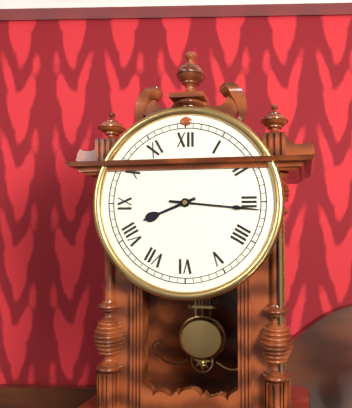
8:16
